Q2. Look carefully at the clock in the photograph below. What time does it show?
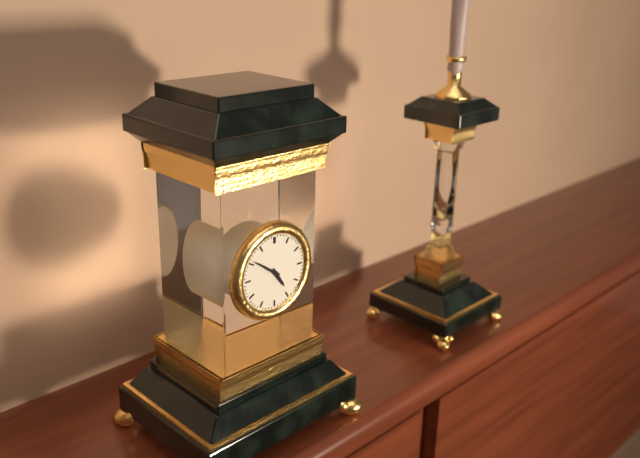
4:51
